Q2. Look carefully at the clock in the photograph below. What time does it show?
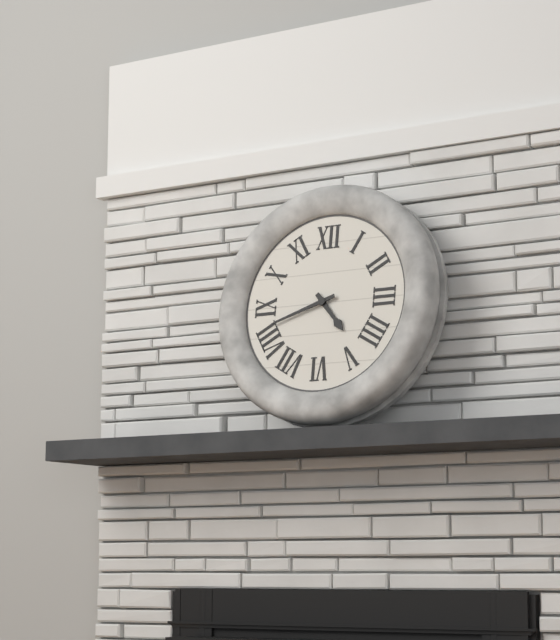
4:42
